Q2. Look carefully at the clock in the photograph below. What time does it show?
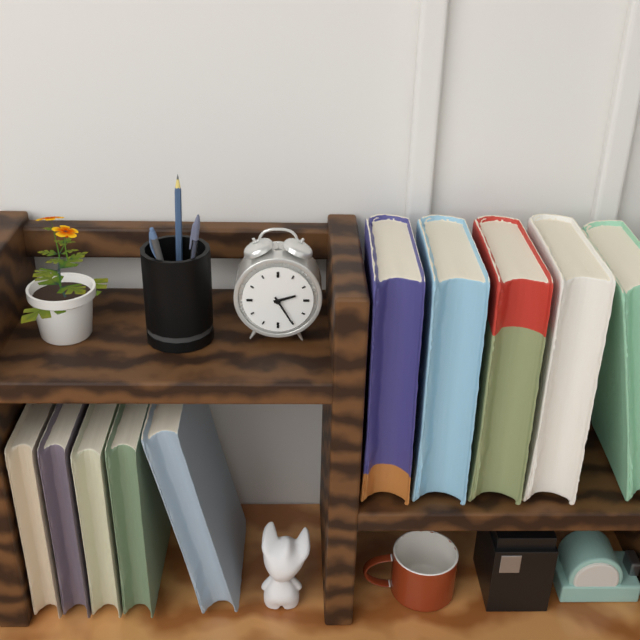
2:25
